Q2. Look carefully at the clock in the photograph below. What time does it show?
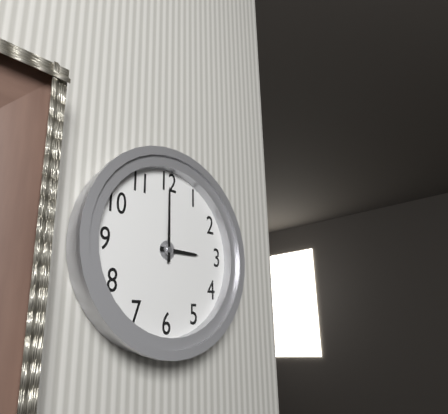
3:00
